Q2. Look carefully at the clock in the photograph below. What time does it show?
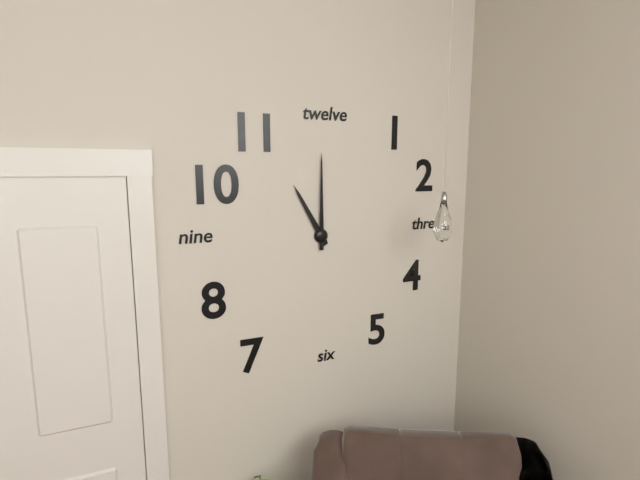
11:00
